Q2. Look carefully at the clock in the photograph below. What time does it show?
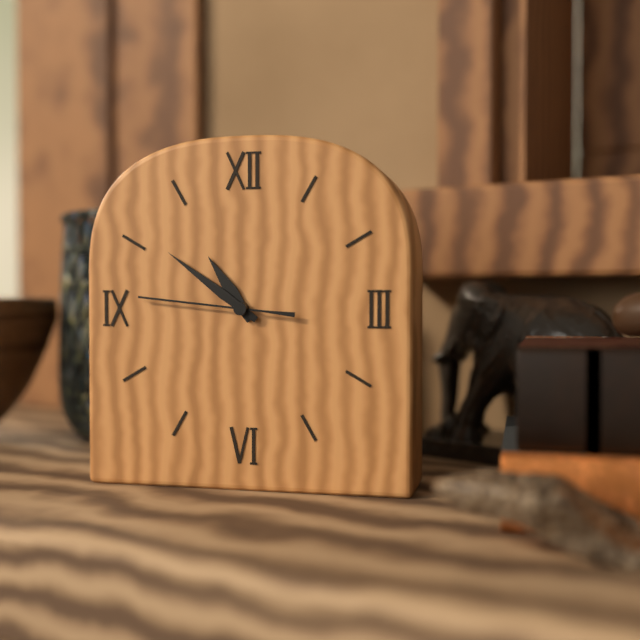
10:51:46
